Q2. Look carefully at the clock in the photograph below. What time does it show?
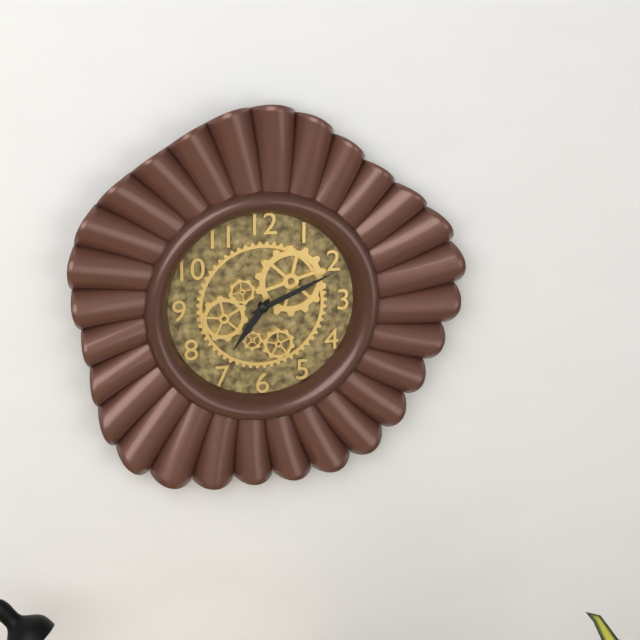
7:11
